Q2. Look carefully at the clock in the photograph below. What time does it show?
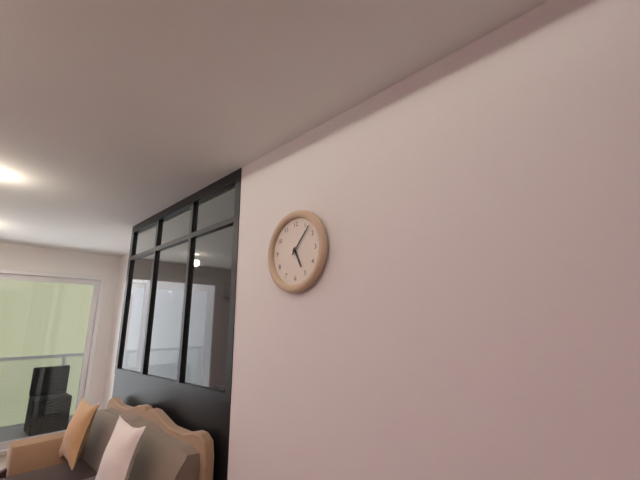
5:07
